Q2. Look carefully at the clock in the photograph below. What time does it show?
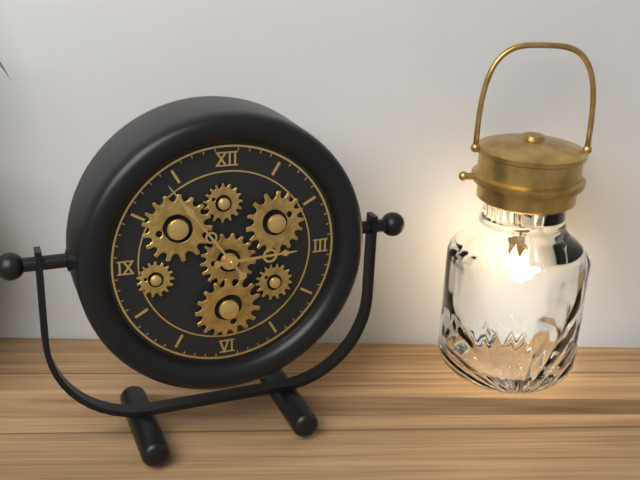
2:54
